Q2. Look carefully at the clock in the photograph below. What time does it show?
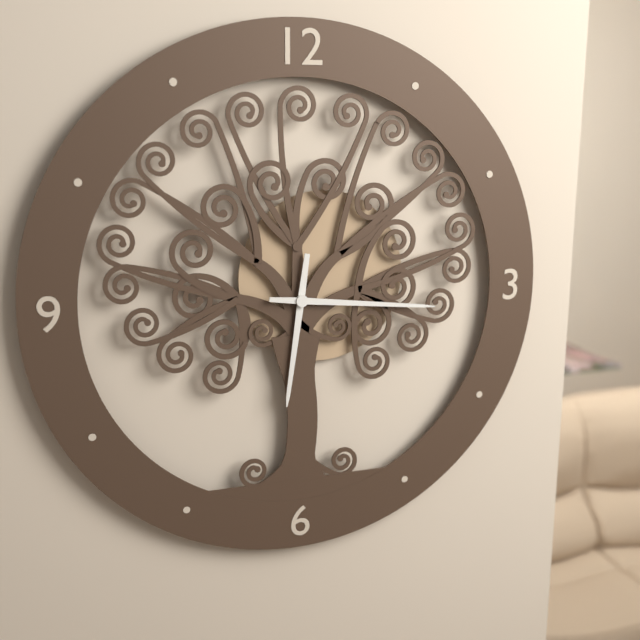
6:16
